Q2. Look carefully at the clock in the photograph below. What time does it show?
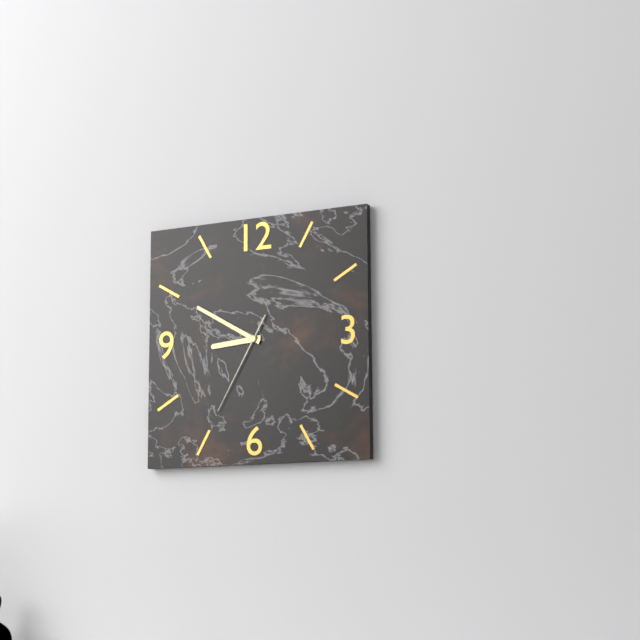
8:50:35
